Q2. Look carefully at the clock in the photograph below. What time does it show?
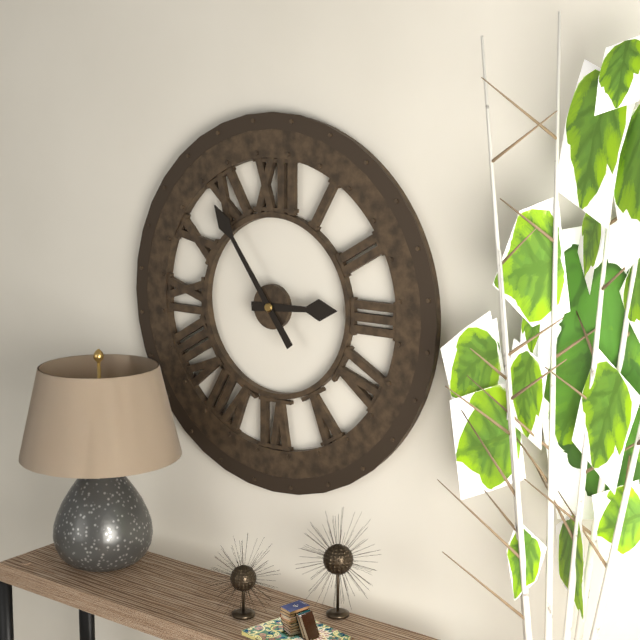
2:54
